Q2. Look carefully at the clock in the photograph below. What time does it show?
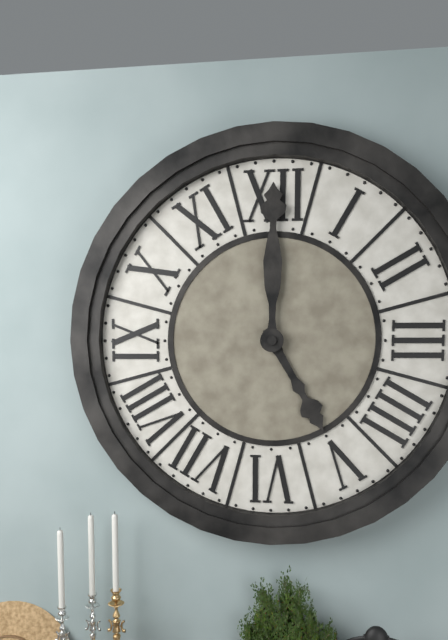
5:00
